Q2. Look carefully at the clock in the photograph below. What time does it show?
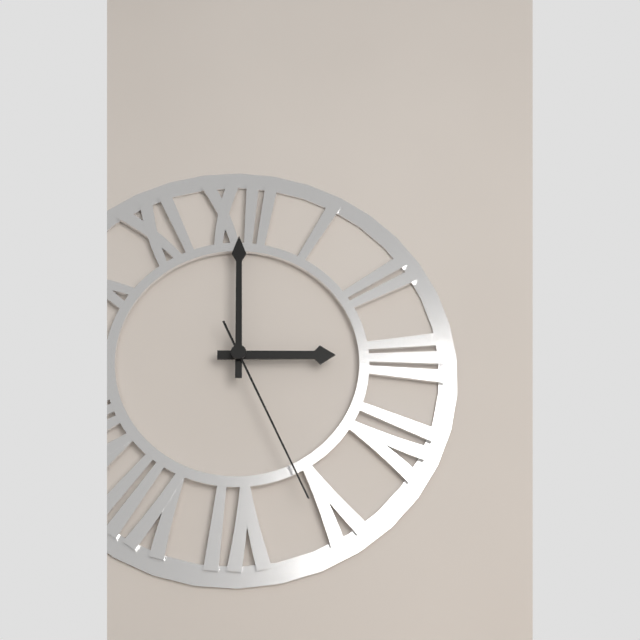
3:00:26
